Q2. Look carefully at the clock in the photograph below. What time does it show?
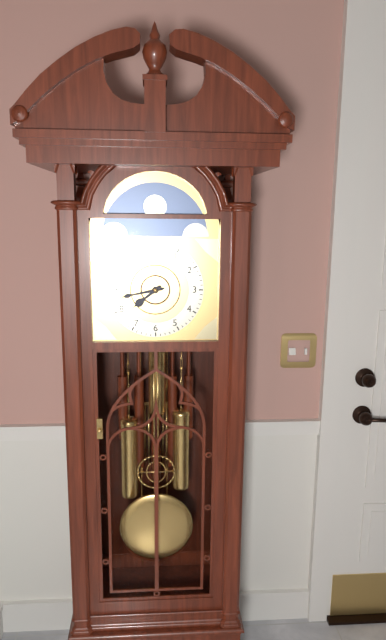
7:43
